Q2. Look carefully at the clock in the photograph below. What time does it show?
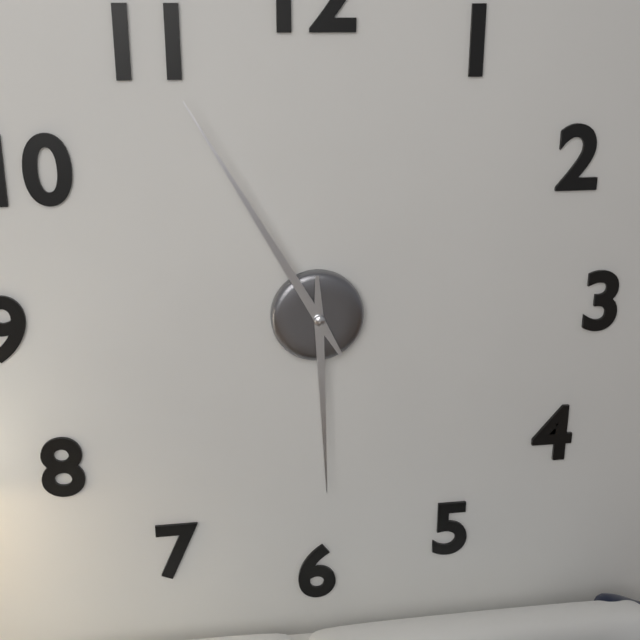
5:55
